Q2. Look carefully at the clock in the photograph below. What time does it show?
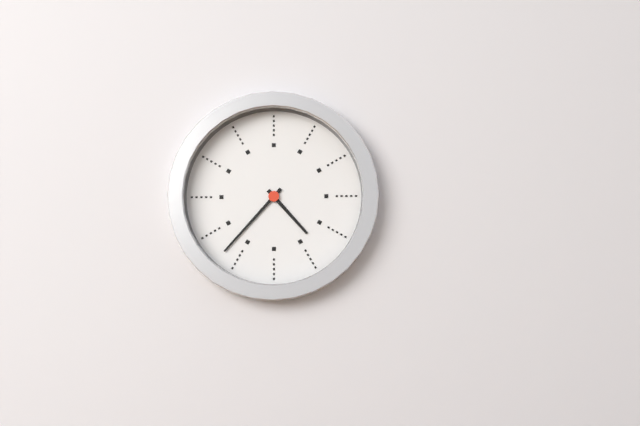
4:37
